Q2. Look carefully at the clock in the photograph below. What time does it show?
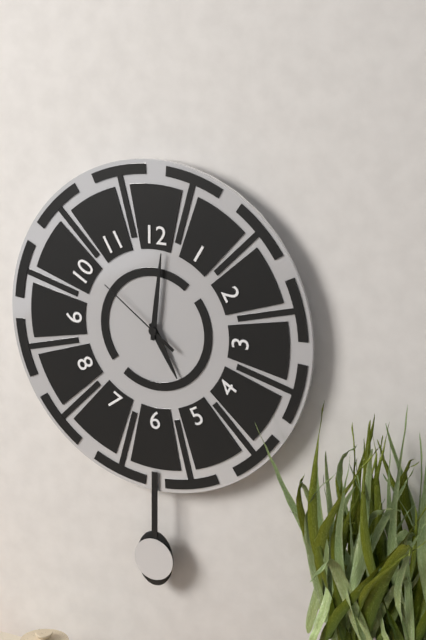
5:01:51
